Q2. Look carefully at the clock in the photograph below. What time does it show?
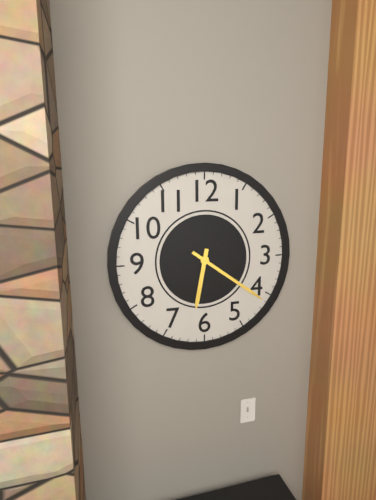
6:21
